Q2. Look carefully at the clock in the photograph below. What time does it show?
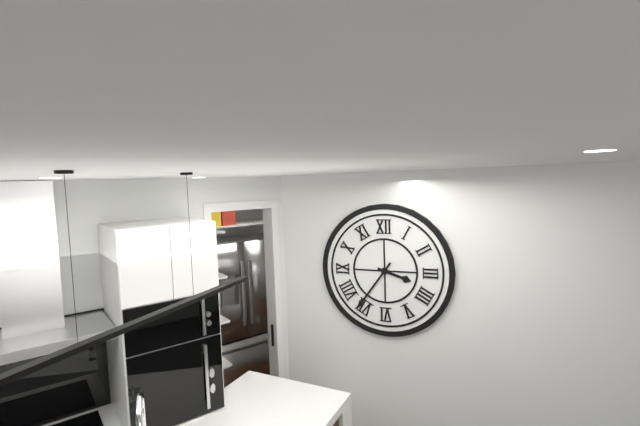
3:36
